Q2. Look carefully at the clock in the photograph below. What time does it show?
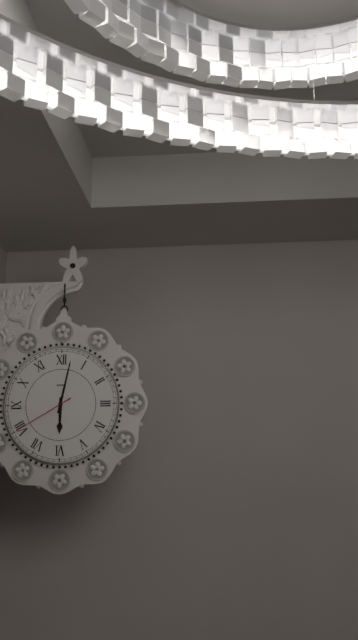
6:02:40
